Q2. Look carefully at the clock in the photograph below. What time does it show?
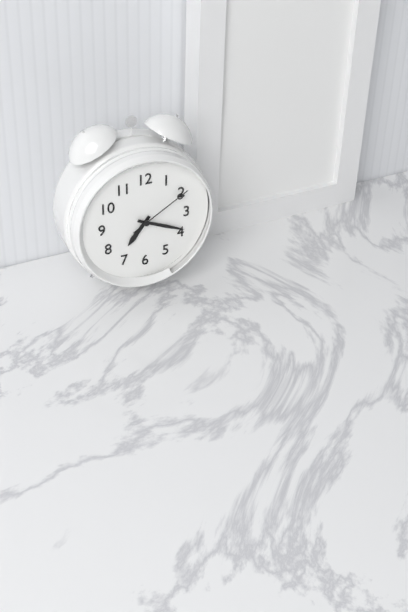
7:19:10
